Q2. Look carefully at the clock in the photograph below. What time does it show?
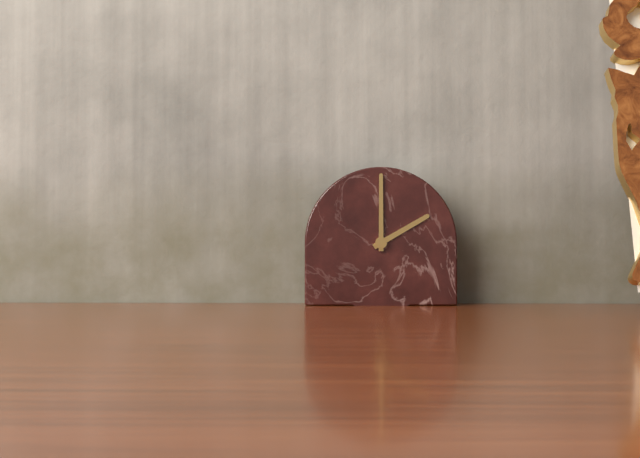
2:00
